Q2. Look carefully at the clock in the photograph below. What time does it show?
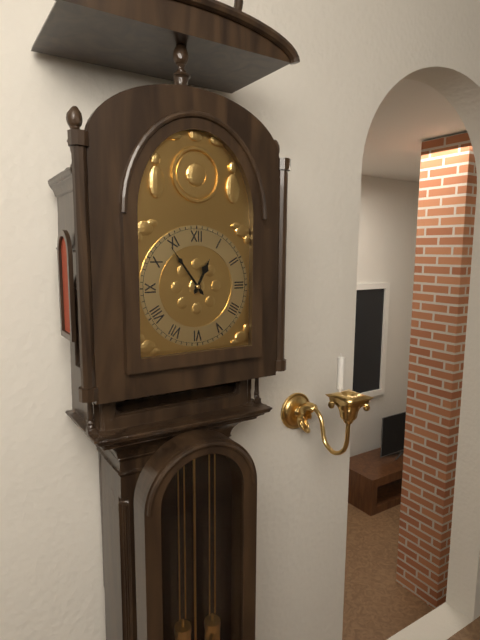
12:54
